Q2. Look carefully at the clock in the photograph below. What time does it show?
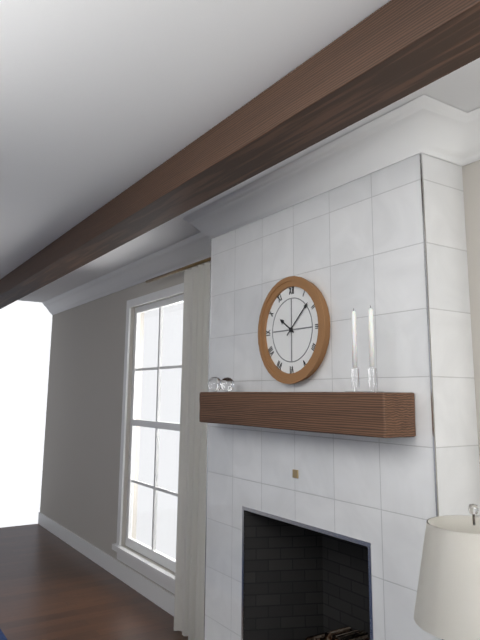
10:08
